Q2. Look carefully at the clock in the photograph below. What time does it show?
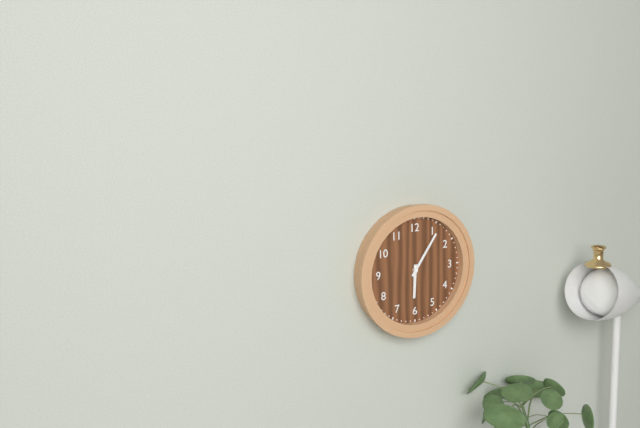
6:06
